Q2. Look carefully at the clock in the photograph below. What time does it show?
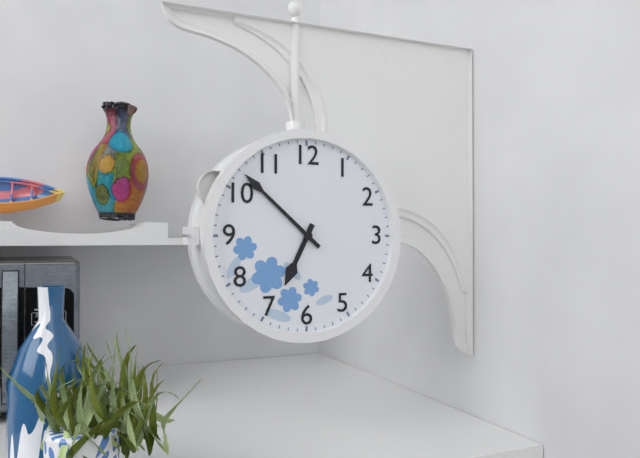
6:52
